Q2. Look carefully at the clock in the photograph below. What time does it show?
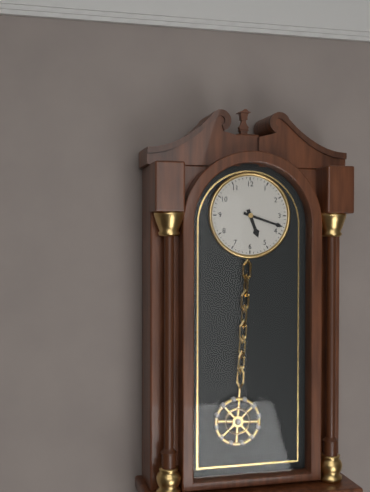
5:18
